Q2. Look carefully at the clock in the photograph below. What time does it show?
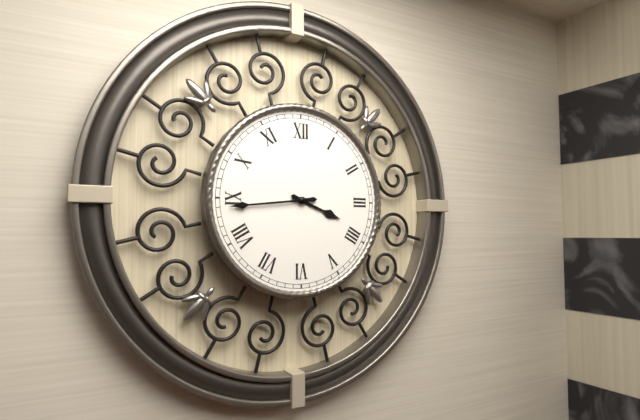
3:44
